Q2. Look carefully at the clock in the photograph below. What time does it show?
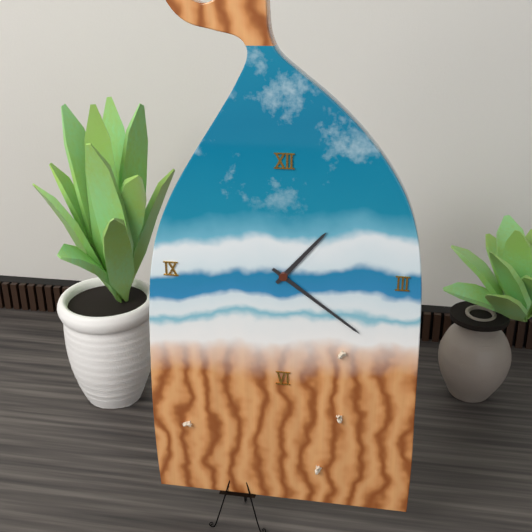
1:21
